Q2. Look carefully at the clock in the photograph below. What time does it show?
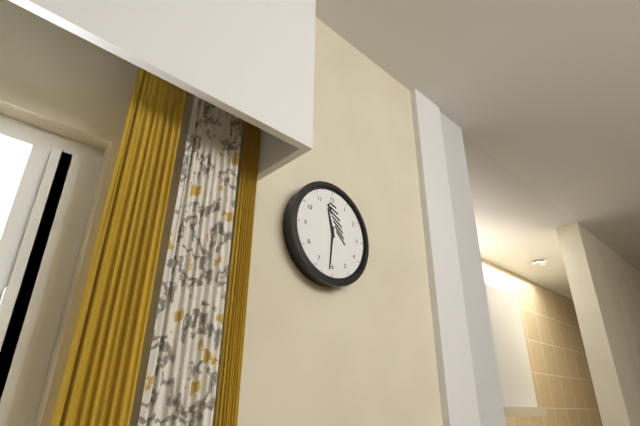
11:31
